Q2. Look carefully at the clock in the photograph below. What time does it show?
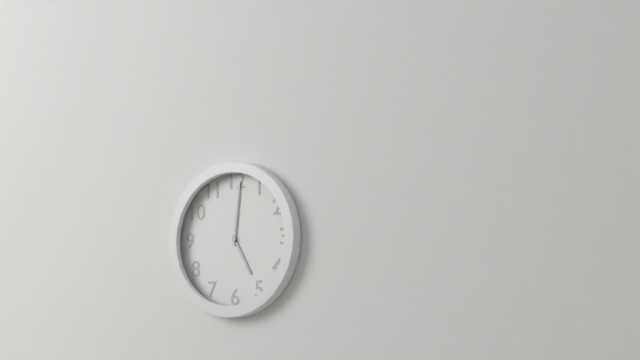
5:01
